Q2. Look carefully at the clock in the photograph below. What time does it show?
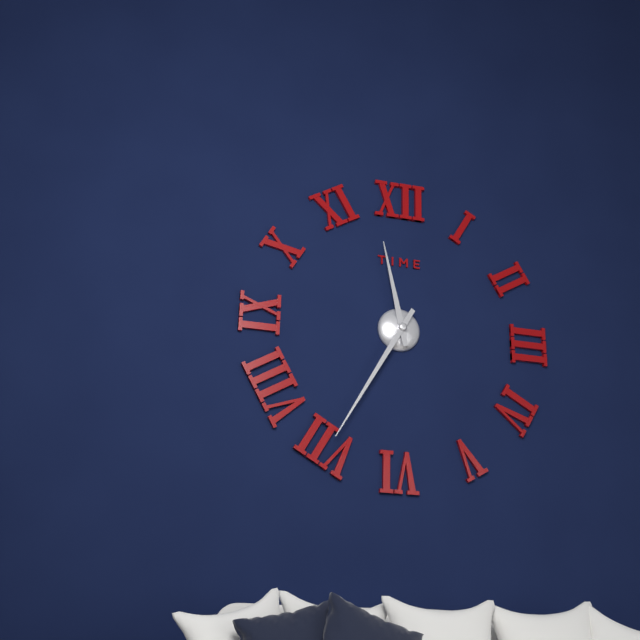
11:35
